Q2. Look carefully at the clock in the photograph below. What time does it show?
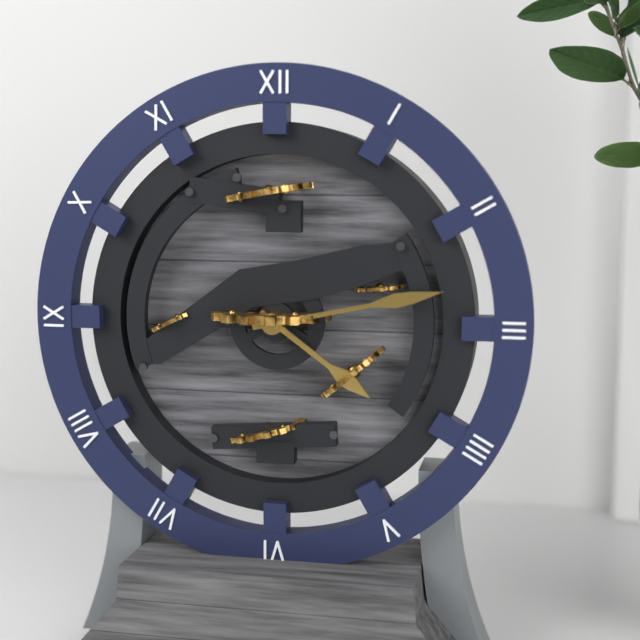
4:13
